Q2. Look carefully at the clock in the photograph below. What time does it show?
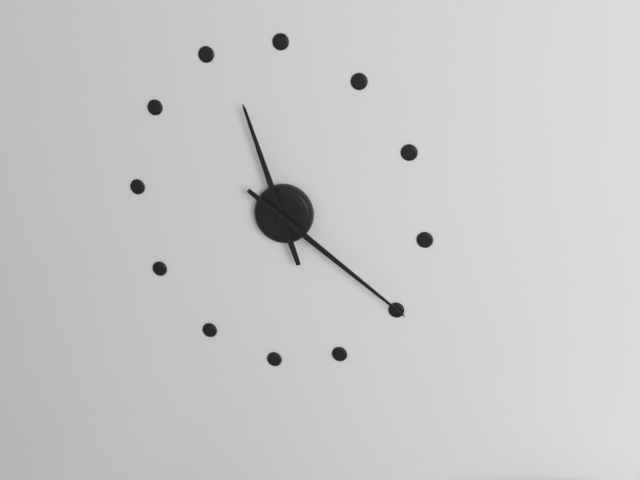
11:21
